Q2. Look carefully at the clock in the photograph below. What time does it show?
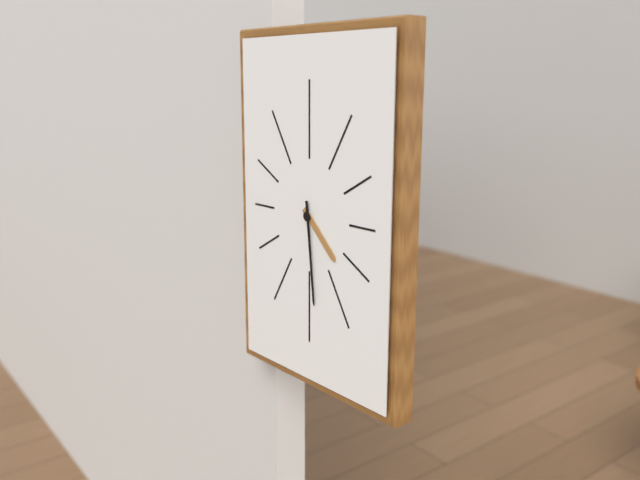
4:29
